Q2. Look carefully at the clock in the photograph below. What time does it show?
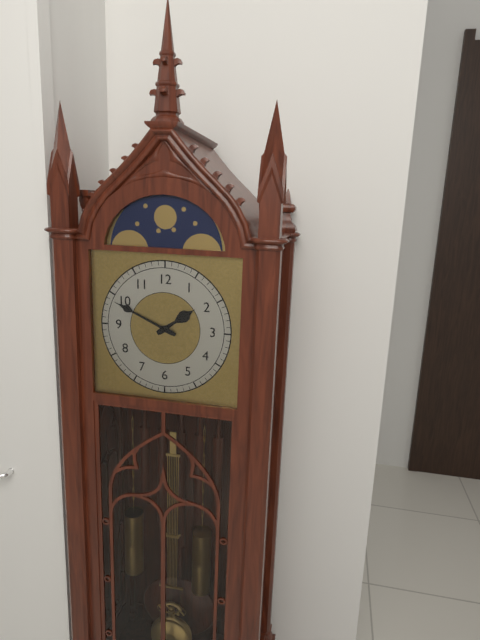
1:49
